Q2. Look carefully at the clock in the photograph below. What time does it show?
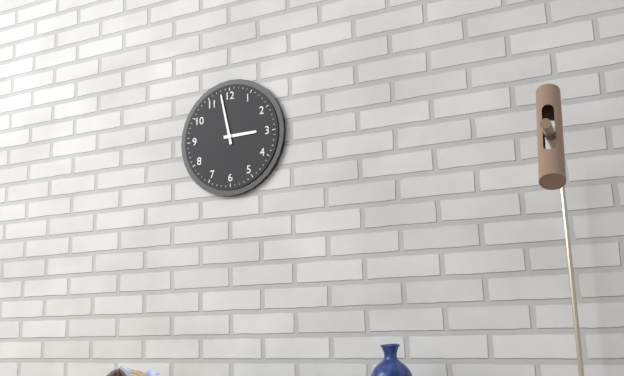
2:58
